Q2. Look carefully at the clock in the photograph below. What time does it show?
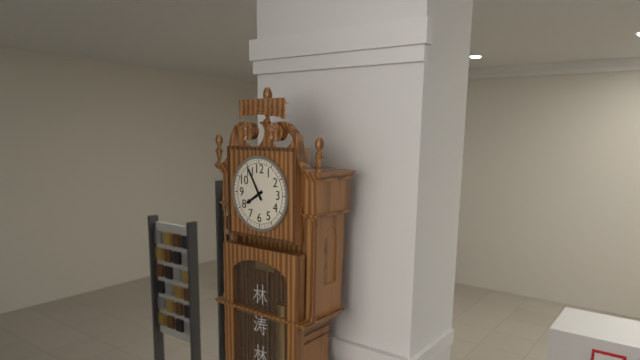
7:55
